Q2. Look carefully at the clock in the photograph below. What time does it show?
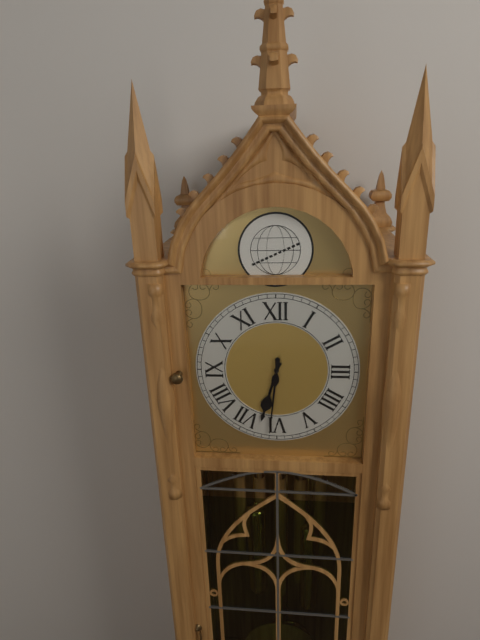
6:31
